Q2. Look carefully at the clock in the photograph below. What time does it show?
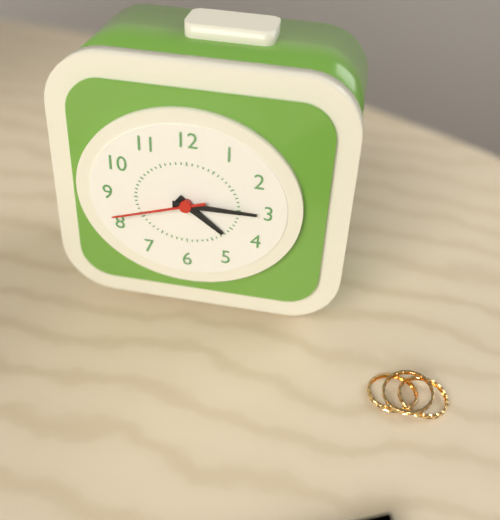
4:15:42
